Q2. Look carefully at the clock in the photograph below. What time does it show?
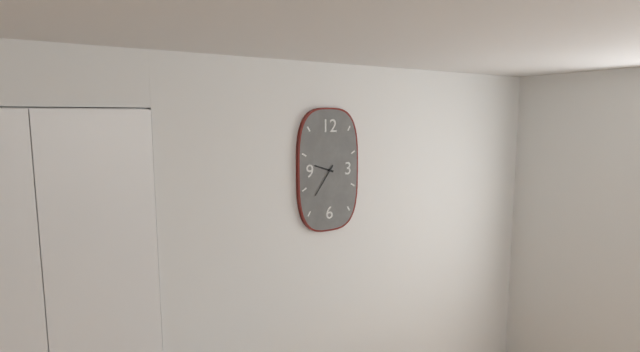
9:36
